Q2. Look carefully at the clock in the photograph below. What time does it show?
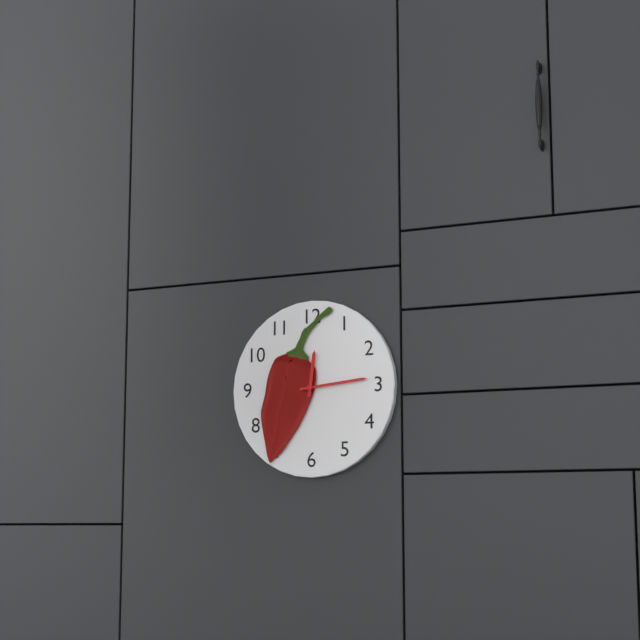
12:14
